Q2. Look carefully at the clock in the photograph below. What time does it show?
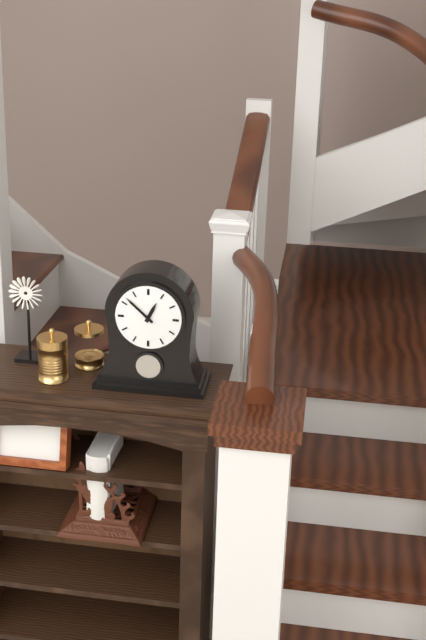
12:52
